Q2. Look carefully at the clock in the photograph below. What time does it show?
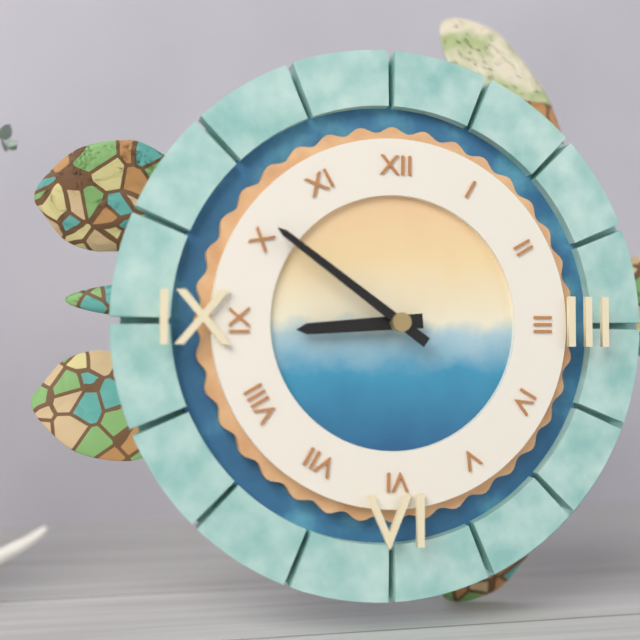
8:51
